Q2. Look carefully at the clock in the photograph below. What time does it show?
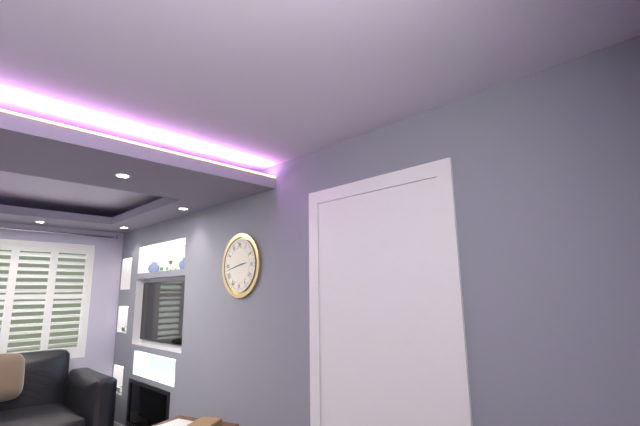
2:43
